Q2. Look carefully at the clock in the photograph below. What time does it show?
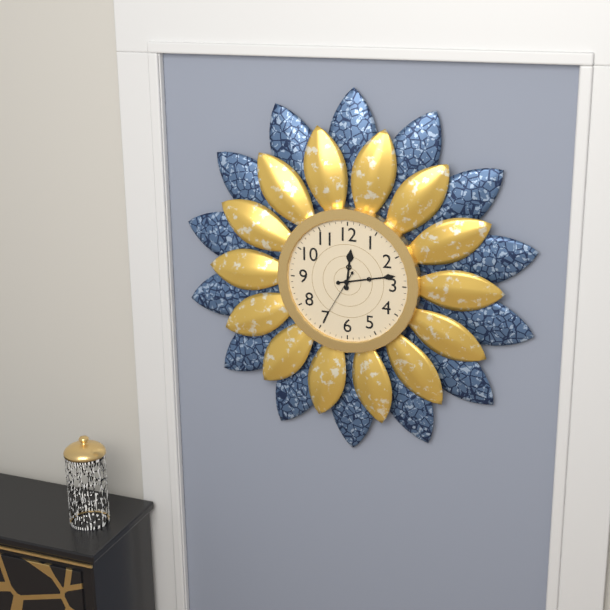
12:13:35
